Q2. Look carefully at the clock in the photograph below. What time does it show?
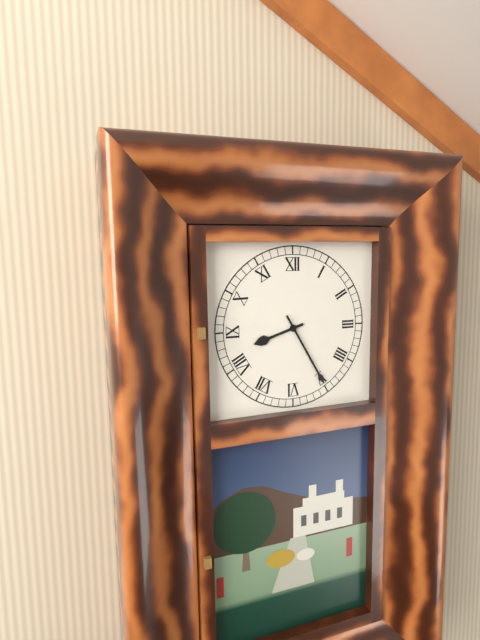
8:25
